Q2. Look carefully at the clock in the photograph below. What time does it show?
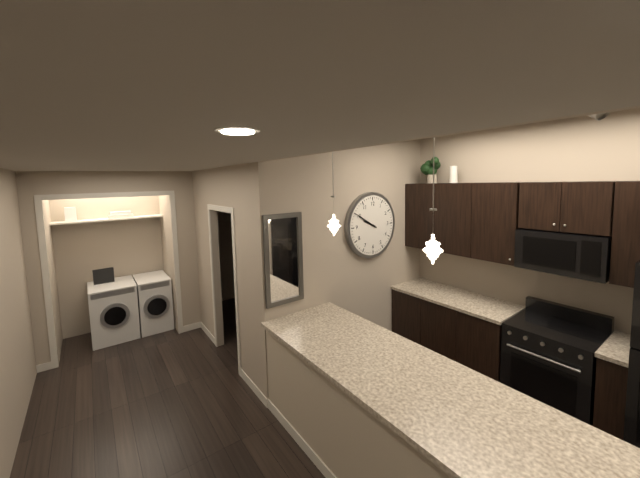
9:50
